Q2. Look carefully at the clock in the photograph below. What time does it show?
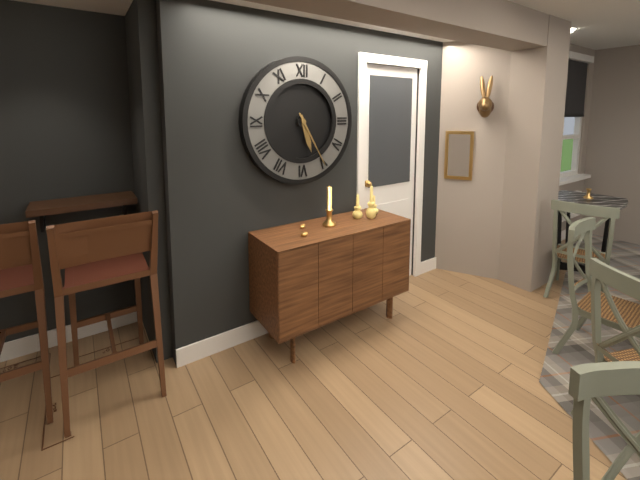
5:25
